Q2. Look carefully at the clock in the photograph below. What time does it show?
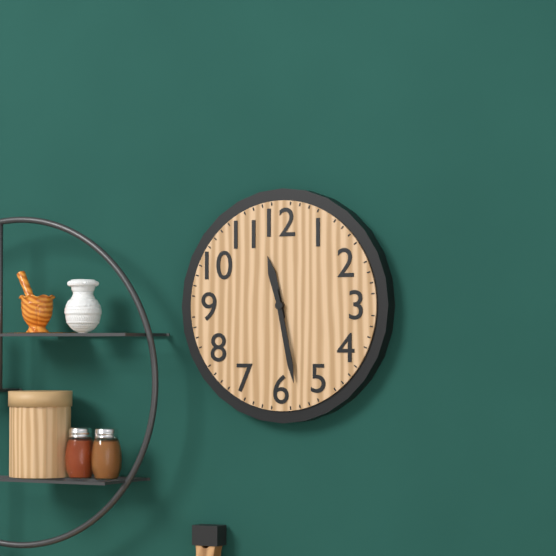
11:28
